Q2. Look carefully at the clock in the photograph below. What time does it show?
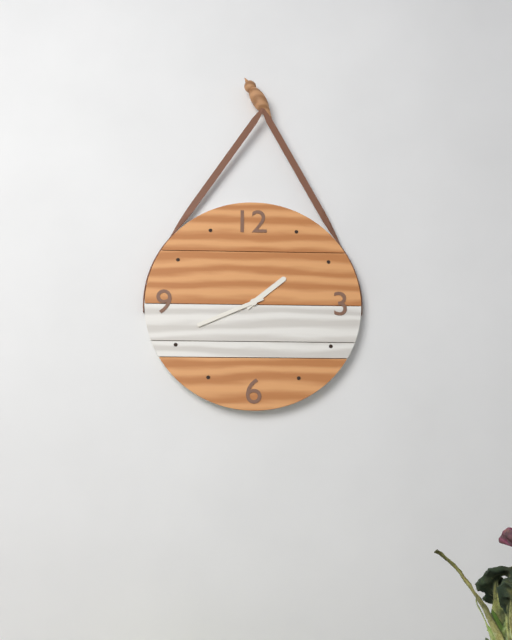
1:41
